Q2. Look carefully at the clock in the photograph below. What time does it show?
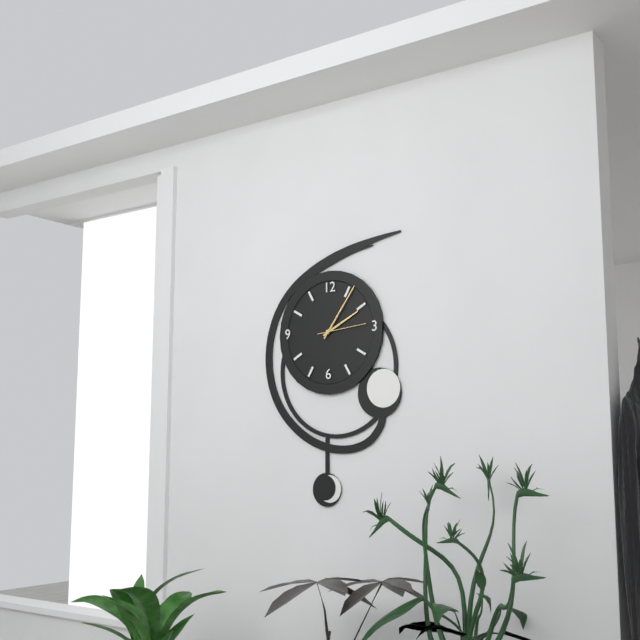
2:06
